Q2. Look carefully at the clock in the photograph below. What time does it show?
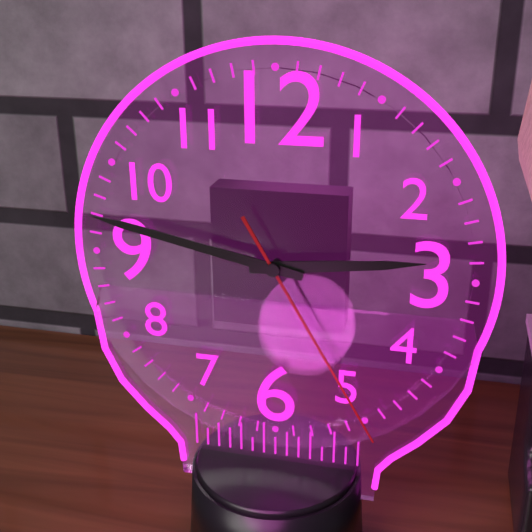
2:47:25
